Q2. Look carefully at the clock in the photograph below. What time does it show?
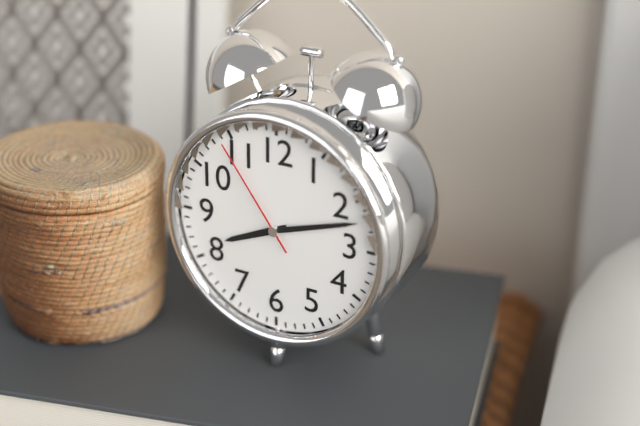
8:12:54
